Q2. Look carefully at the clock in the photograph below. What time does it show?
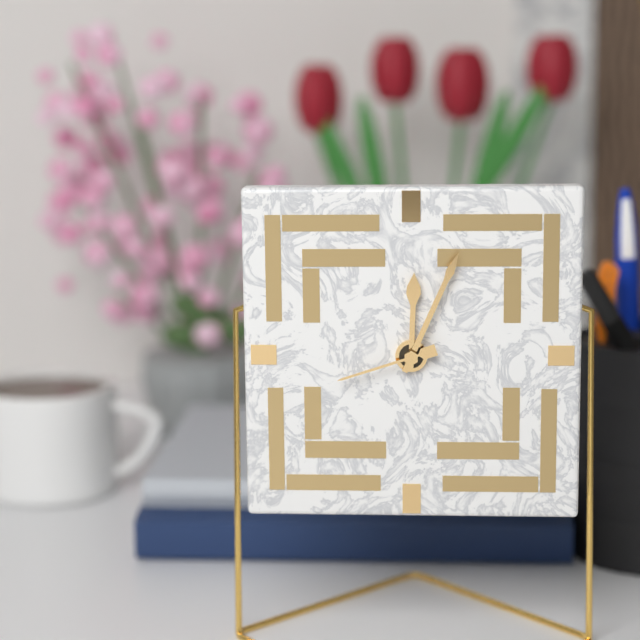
12:04:42
